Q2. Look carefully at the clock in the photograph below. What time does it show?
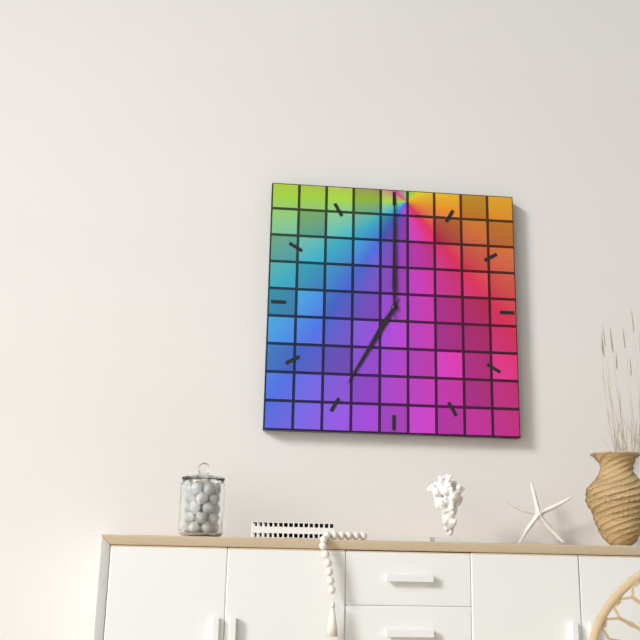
7:00
